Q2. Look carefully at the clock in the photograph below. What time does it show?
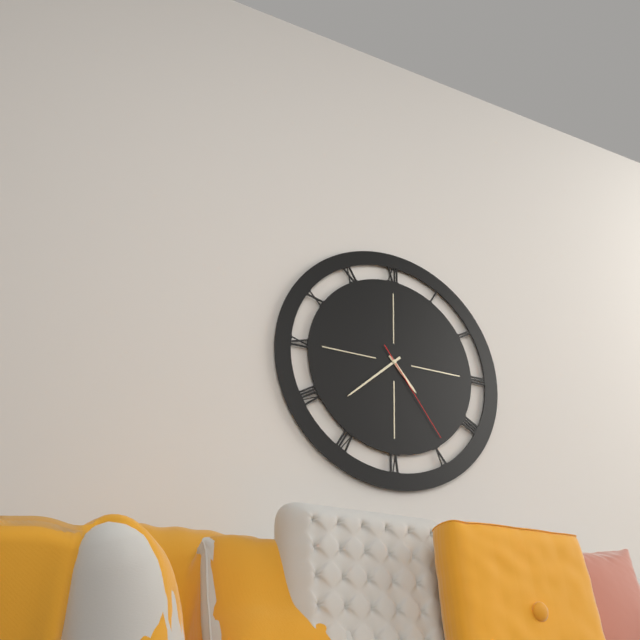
4:38:24
